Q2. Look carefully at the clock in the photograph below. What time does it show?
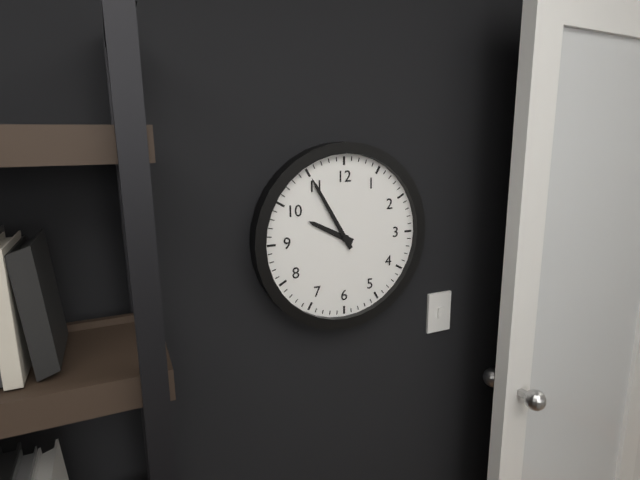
9:55
